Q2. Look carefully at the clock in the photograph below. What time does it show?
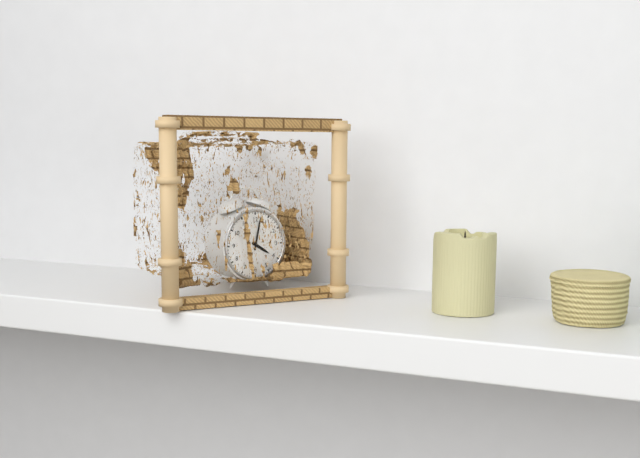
4:02
